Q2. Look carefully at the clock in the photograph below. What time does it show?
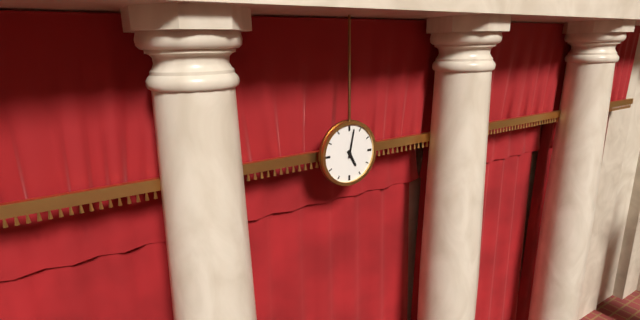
5:02
